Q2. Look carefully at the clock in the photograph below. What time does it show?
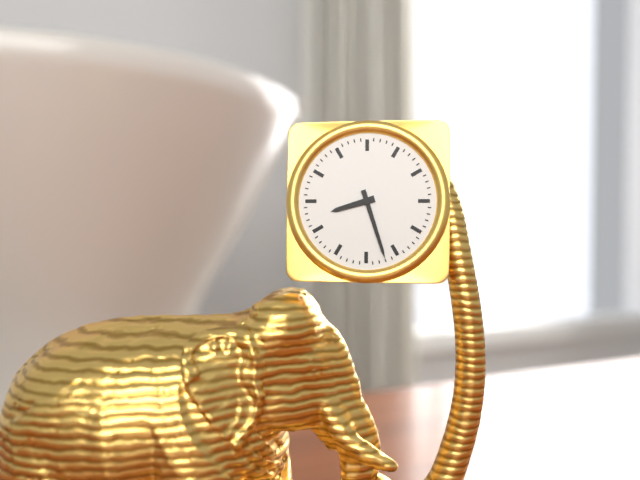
8:27
